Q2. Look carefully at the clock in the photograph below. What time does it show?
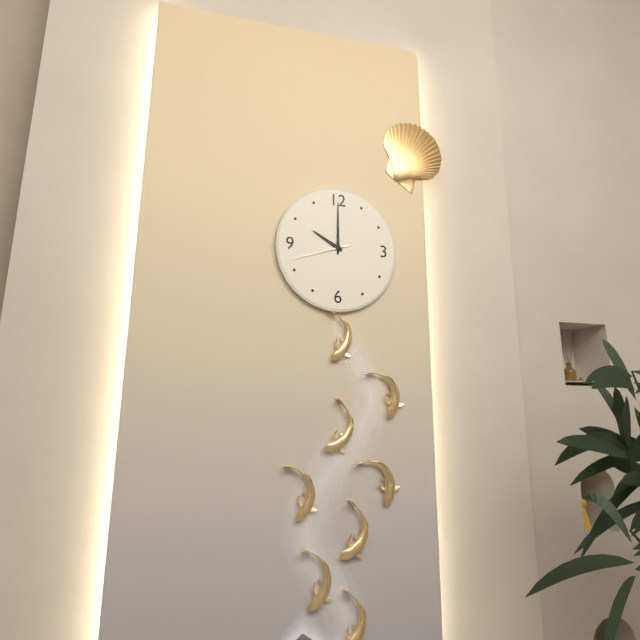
10:00:42
